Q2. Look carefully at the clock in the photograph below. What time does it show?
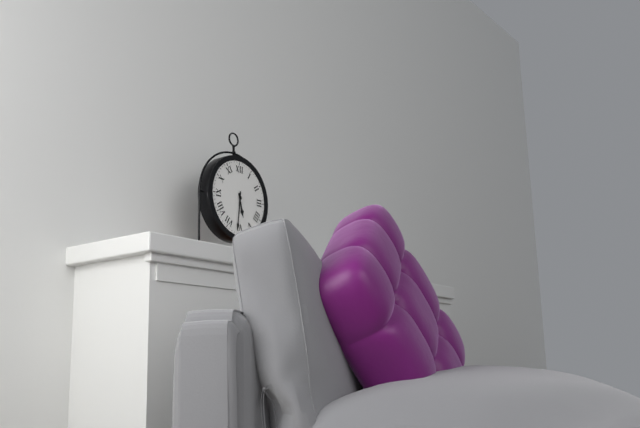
5:31
